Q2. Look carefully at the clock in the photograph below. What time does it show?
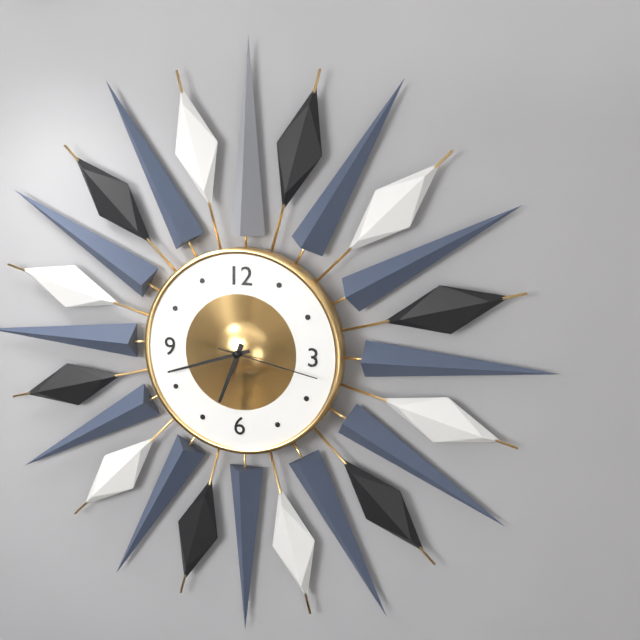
6:42:17
